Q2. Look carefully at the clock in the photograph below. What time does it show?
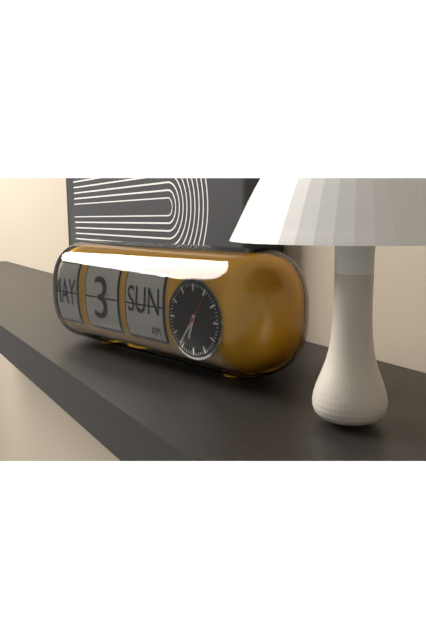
6:36
